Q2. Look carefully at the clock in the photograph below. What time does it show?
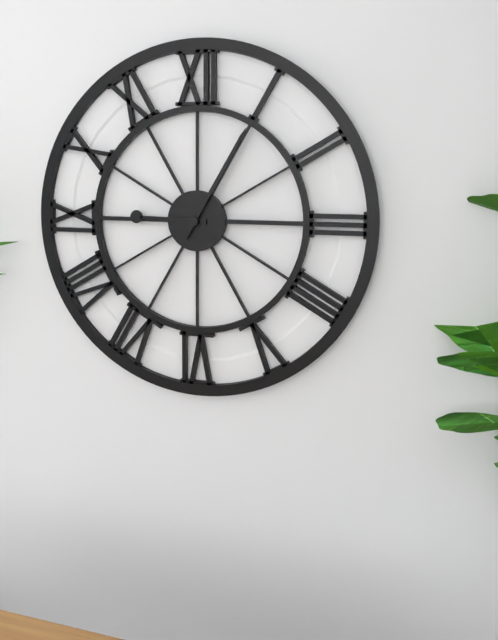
9:05
